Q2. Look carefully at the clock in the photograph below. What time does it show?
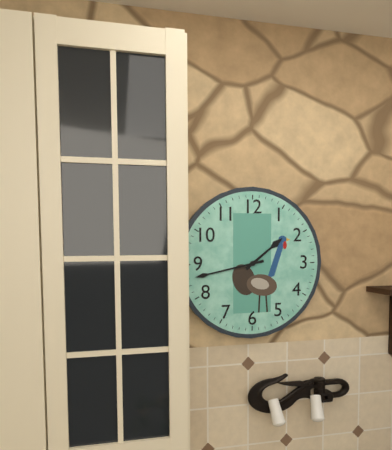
1:43
